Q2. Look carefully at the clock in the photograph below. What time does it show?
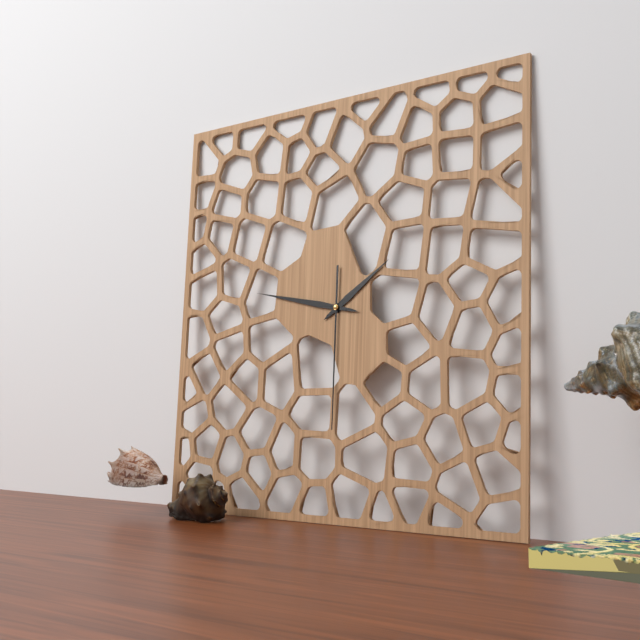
1:47:30
